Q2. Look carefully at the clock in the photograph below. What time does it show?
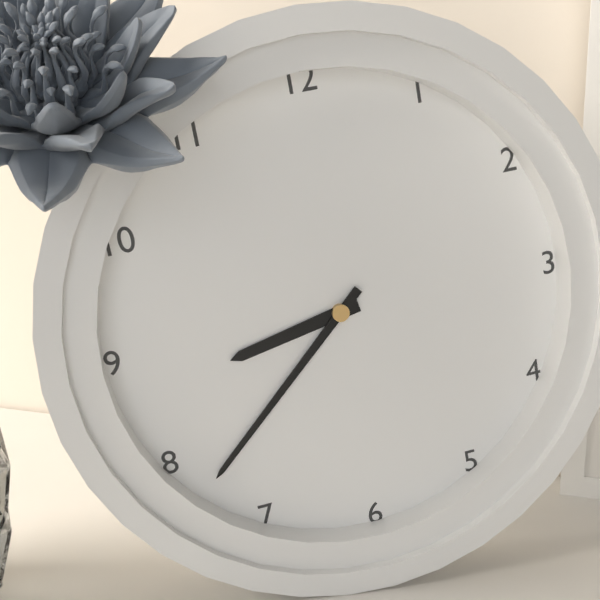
8:38
